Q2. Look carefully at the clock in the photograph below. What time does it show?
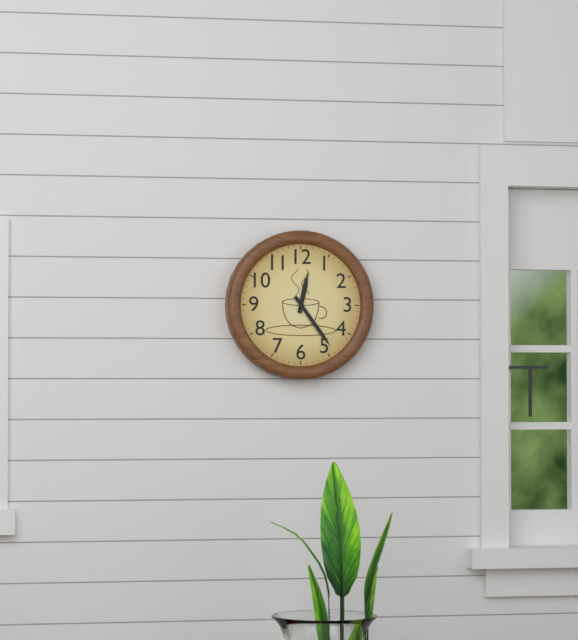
12:24
